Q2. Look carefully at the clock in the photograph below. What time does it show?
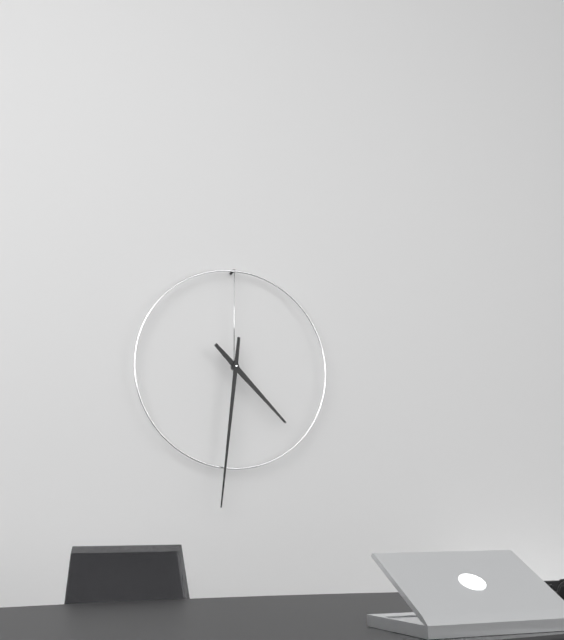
4:31
